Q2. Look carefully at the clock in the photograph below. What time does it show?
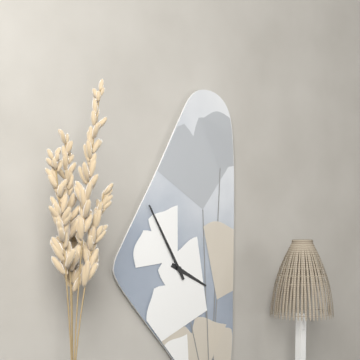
3:55
